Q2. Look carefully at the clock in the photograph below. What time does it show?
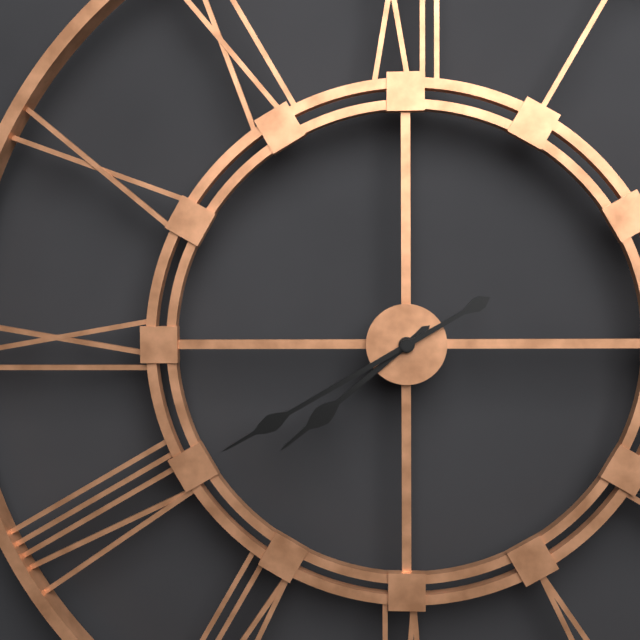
7:40
